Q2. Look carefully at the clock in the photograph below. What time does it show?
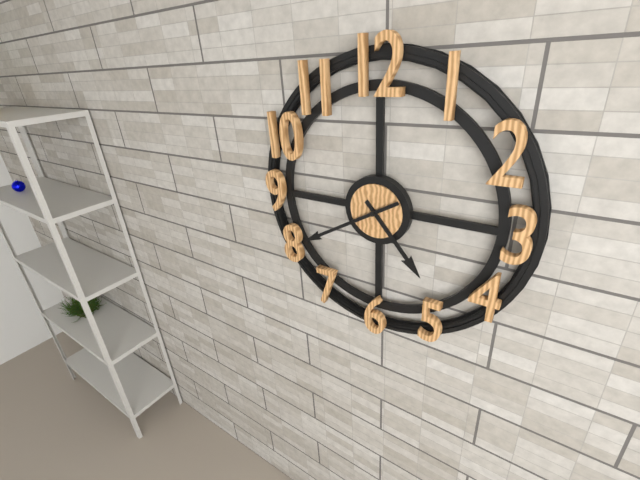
4:40
